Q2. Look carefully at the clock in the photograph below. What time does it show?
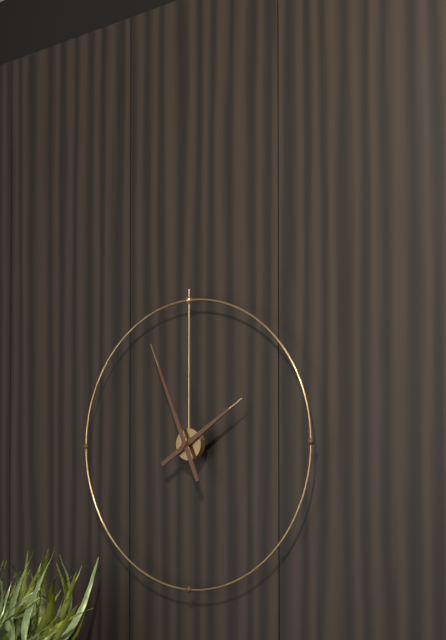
1:56
